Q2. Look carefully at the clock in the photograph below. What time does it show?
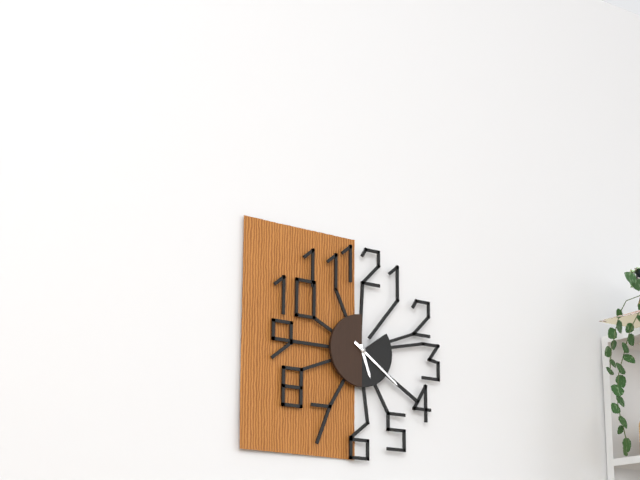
5:21
